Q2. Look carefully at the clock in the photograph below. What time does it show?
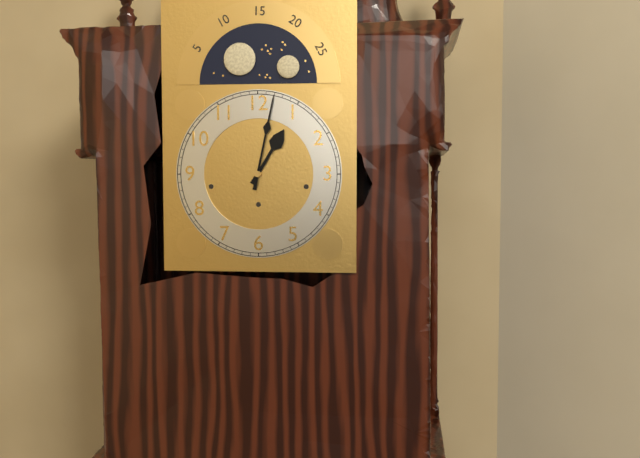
1:02
